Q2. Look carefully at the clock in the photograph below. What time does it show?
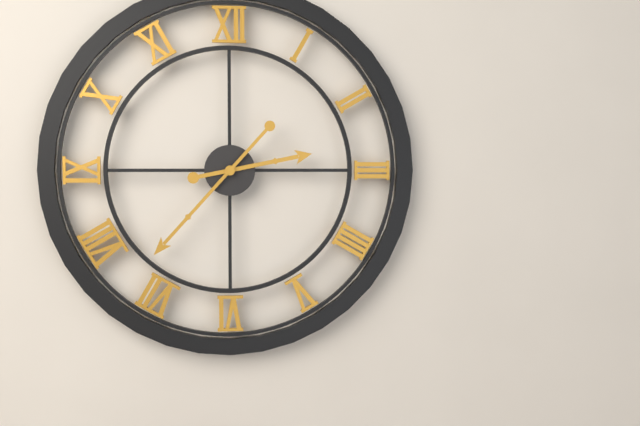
2:37
